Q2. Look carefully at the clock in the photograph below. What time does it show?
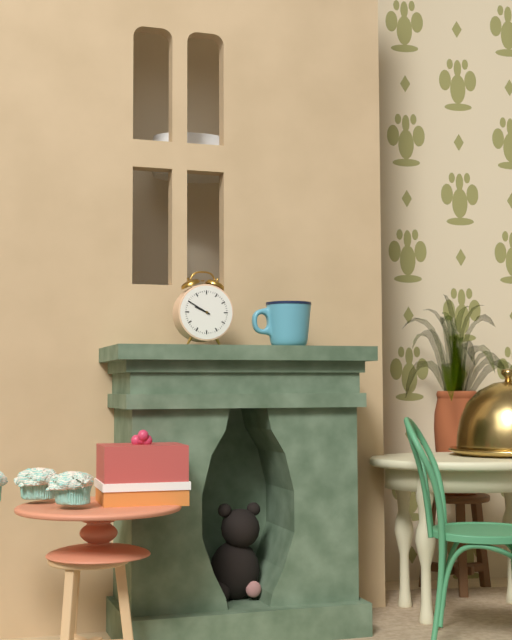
9:50
